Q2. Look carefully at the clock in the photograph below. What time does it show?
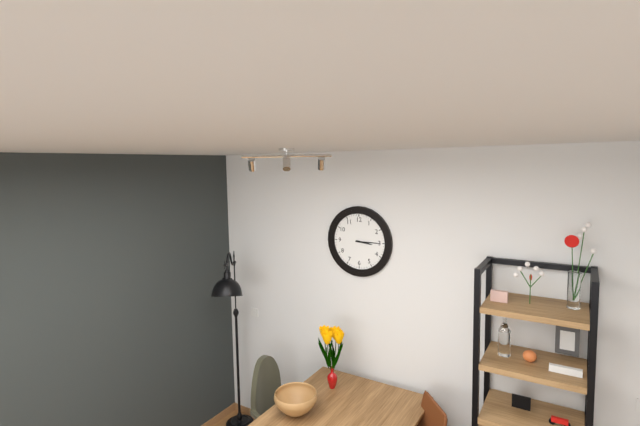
3:15
